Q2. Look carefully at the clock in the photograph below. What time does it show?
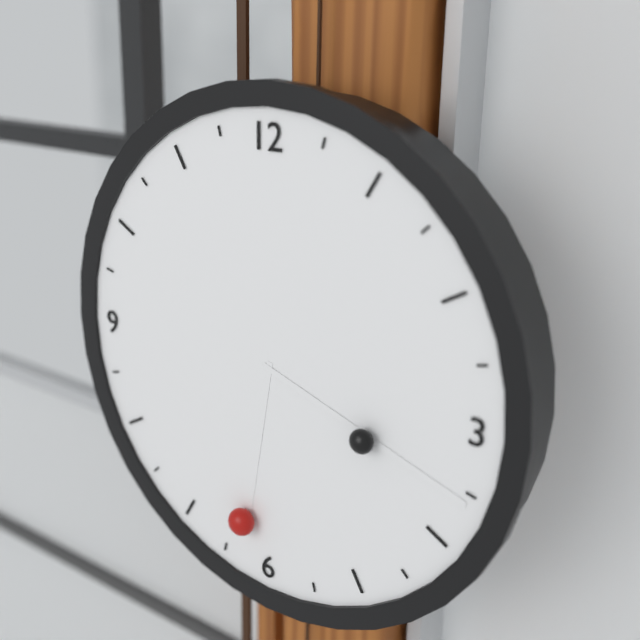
6:18
